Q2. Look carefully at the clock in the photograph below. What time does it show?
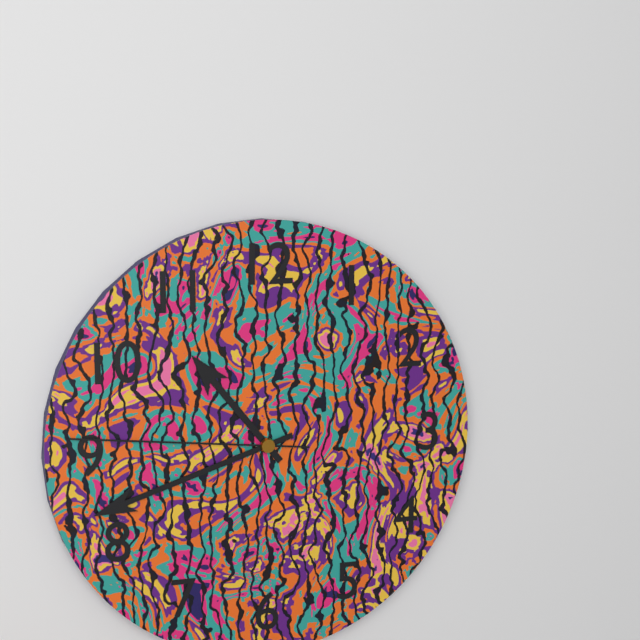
10:42:46
